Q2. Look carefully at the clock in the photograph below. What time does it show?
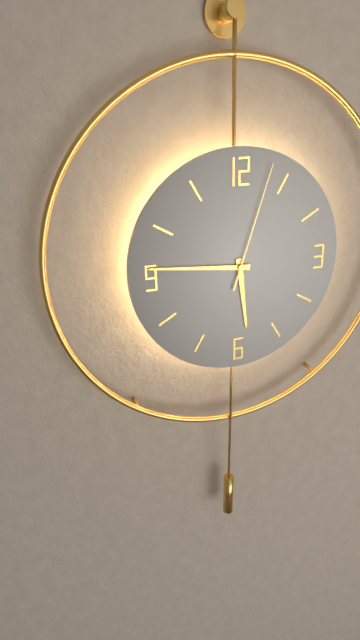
5:46:03
